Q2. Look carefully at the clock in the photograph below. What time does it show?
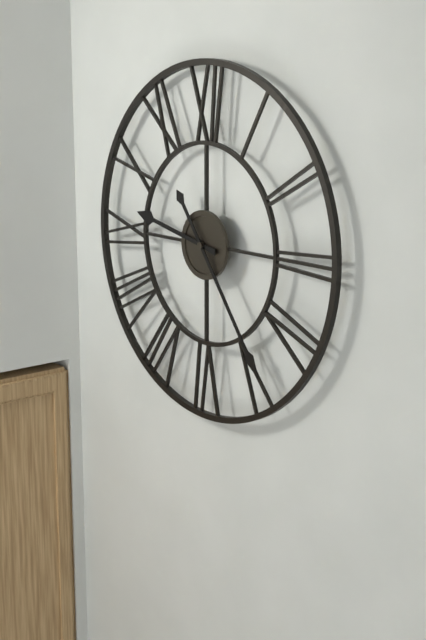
9:24
